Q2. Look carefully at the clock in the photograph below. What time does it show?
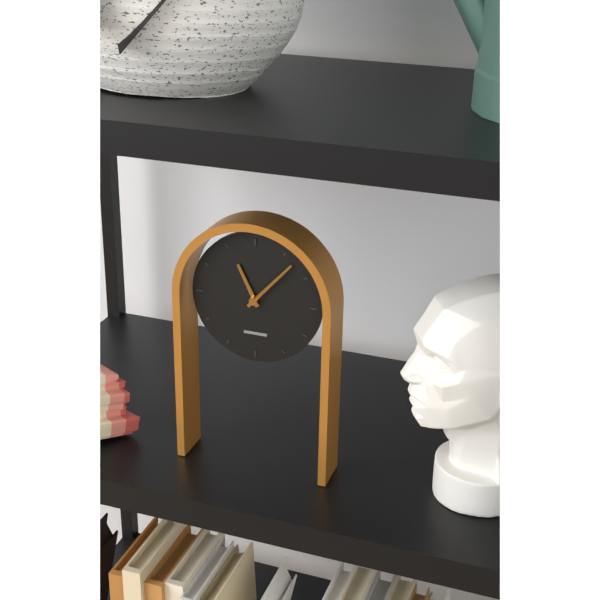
11:07
